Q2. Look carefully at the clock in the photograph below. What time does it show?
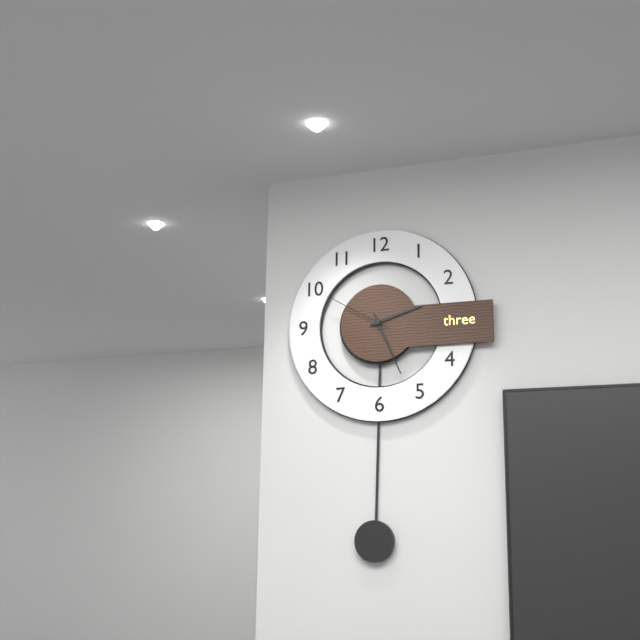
2:26:50
